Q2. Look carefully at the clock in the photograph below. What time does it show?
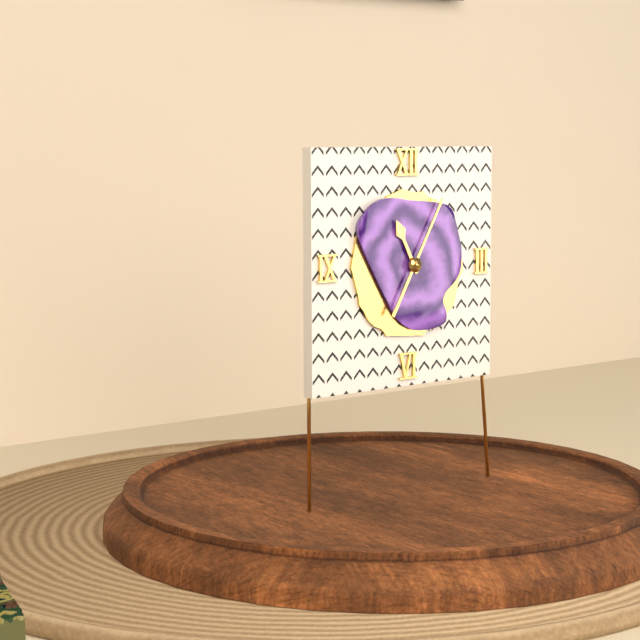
11:05
